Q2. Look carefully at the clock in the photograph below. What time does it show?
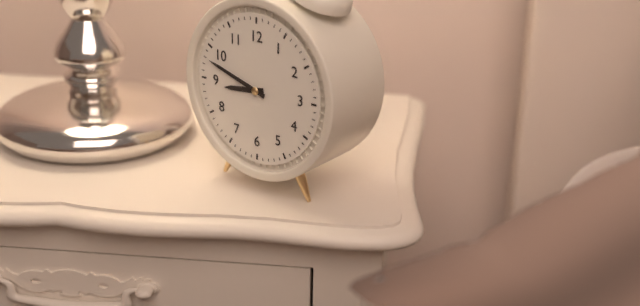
8:48
